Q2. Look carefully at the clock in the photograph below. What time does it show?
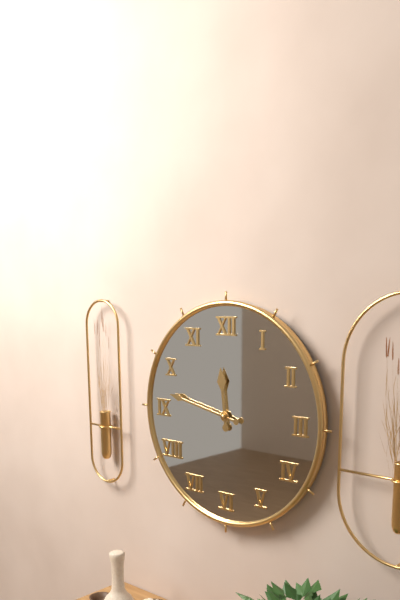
11:47
